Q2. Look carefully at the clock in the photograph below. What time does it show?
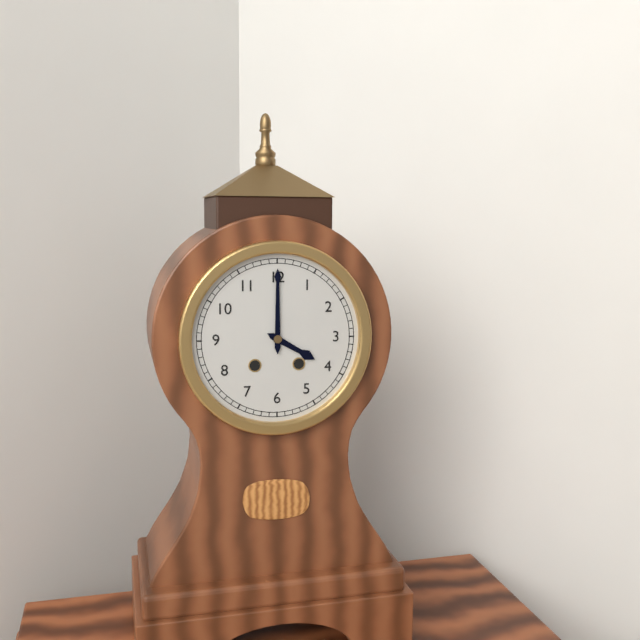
4:00
